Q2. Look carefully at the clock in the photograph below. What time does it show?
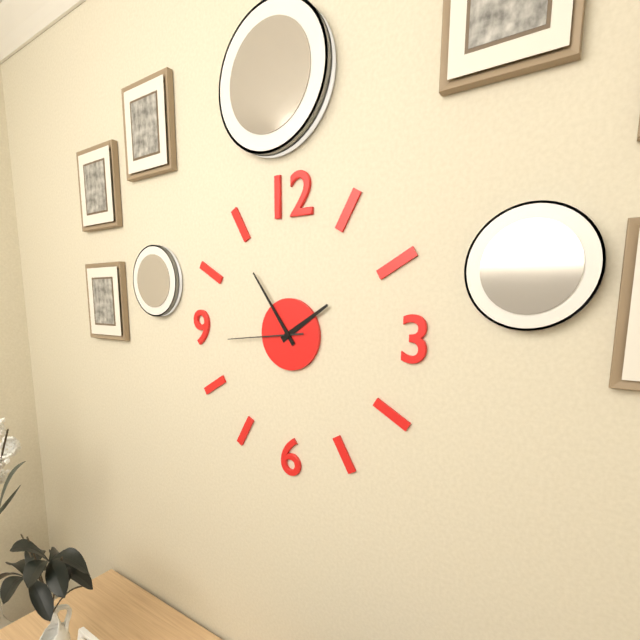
1:54:44
